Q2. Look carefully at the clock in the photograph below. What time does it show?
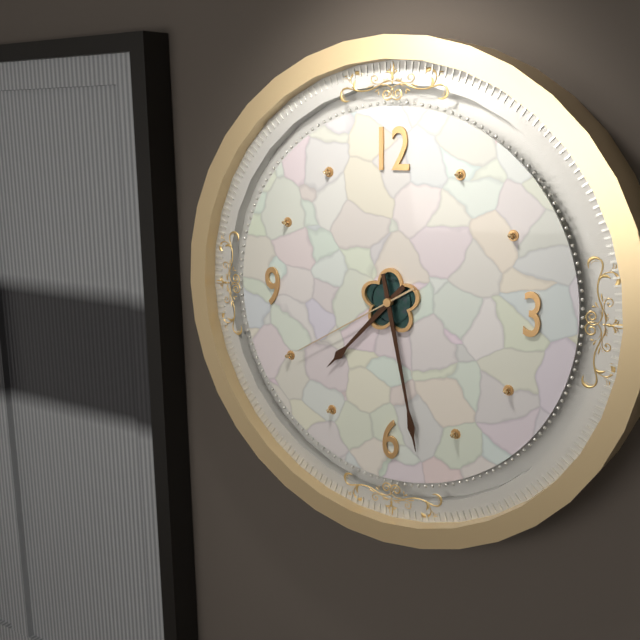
7:28:40
